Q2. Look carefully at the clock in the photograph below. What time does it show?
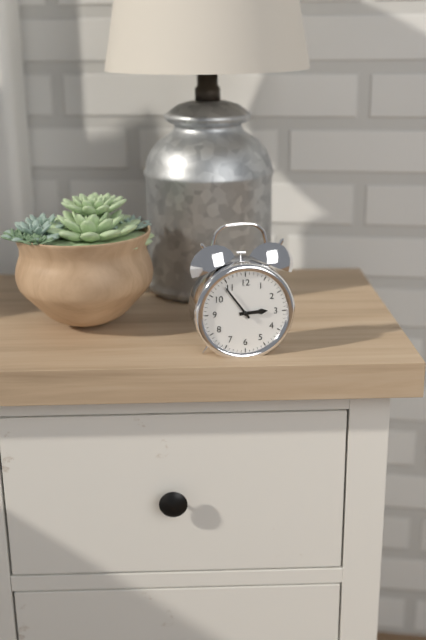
2:54
